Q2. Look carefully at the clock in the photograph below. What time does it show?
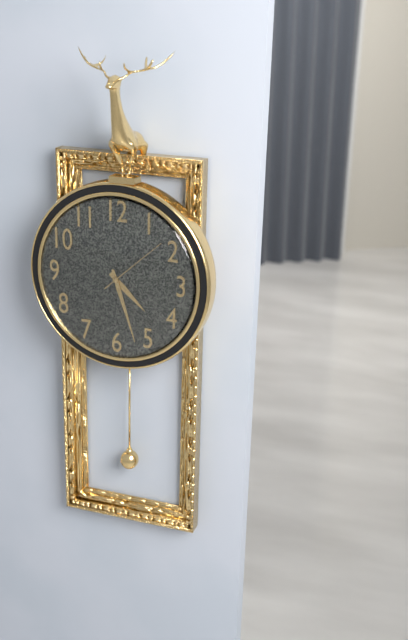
4:27:08
